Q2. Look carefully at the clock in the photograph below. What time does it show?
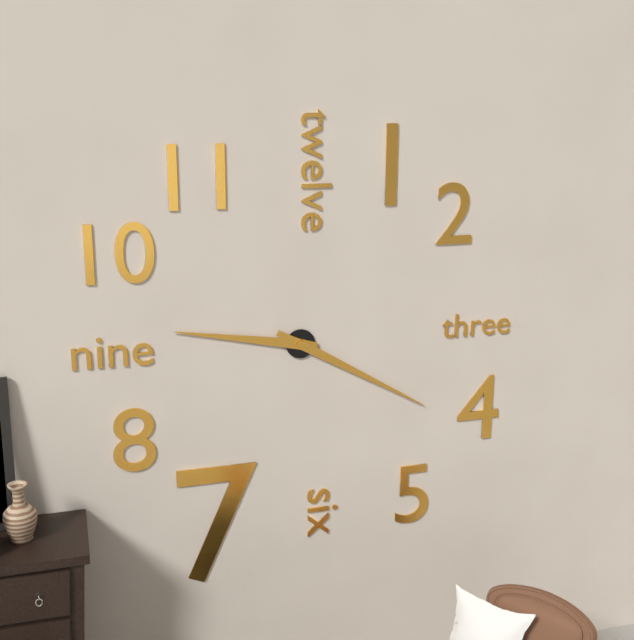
9:20
